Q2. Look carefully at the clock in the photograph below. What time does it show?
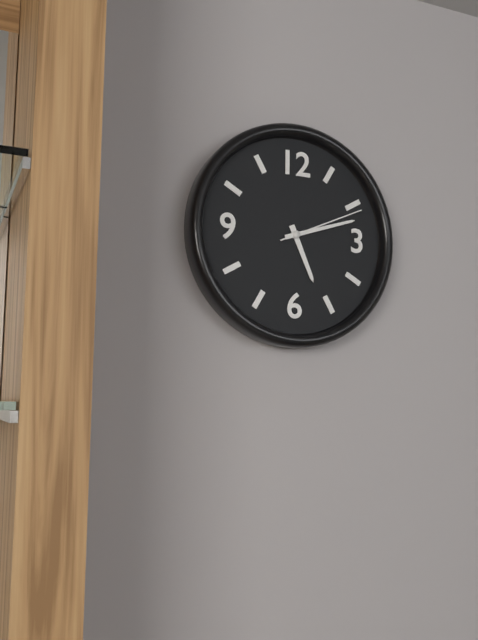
5:12:11
